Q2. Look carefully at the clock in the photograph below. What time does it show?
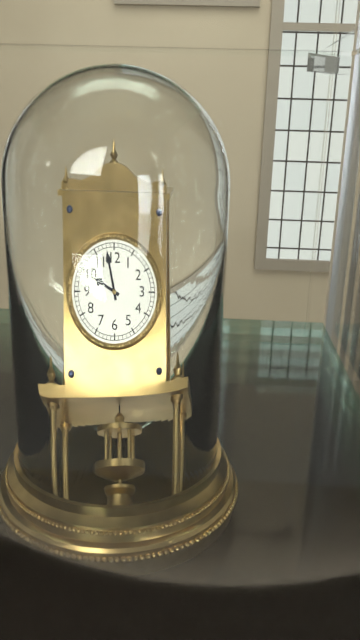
9:58
